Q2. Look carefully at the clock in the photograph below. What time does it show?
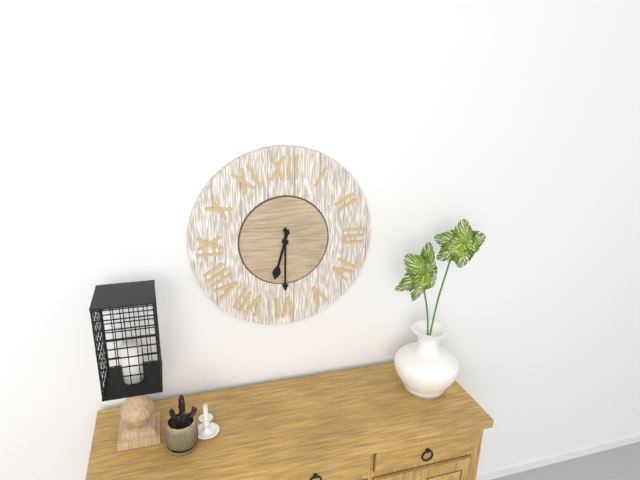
6:30
